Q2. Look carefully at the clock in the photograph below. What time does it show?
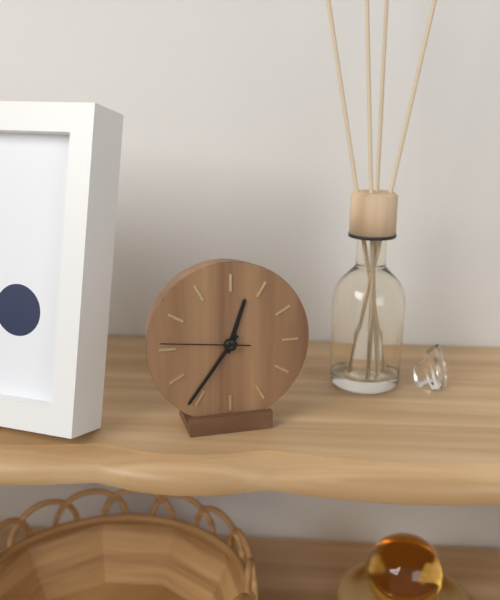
12:36:46
